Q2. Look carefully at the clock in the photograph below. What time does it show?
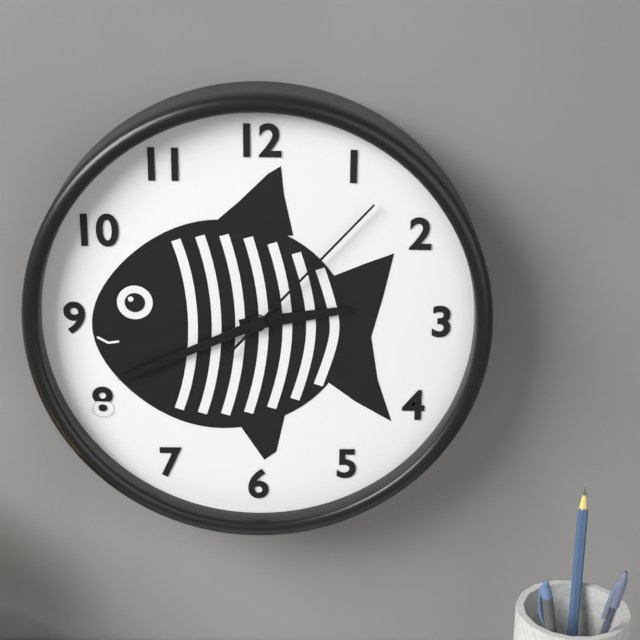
2:41:07
